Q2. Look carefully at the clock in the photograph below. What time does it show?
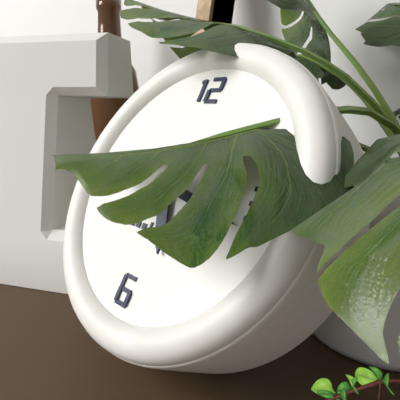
5:17
